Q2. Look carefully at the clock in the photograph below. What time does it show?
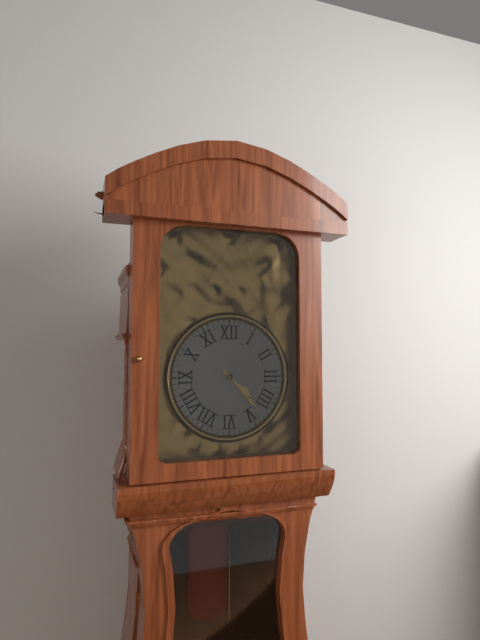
4:23
